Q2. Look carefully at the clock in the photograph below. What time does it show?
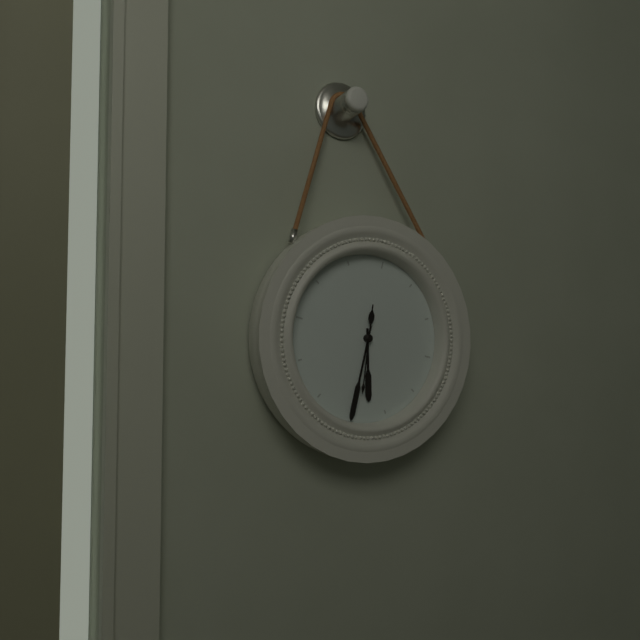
5:30:29
